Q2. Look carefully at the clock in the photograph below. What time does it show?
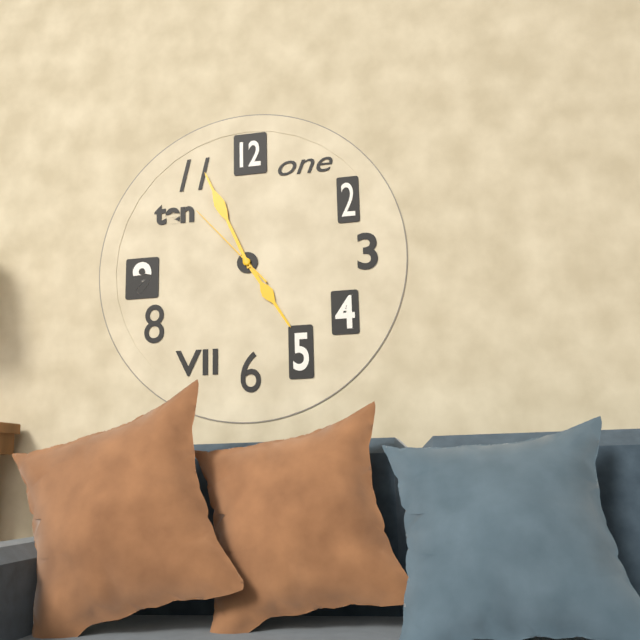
4:56:53
